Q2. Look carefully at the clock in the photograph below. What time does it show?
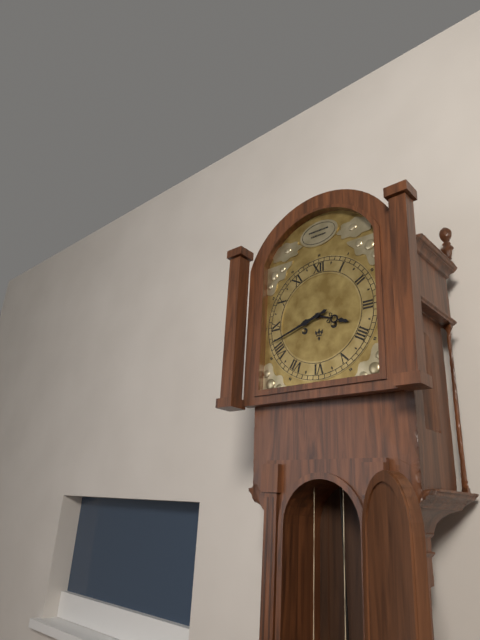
3:42
